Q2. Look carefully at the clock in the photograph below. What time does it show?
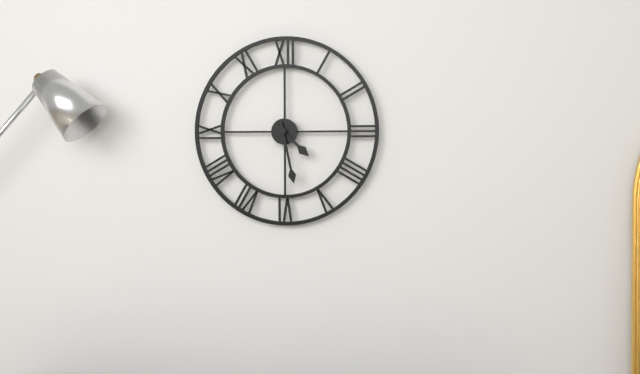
4:28
